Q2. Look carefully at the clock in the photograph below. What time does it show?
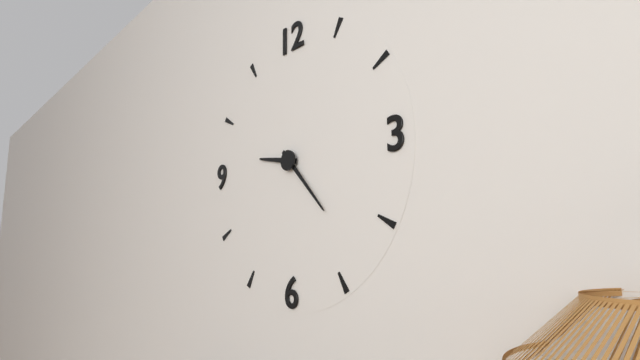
9:23
